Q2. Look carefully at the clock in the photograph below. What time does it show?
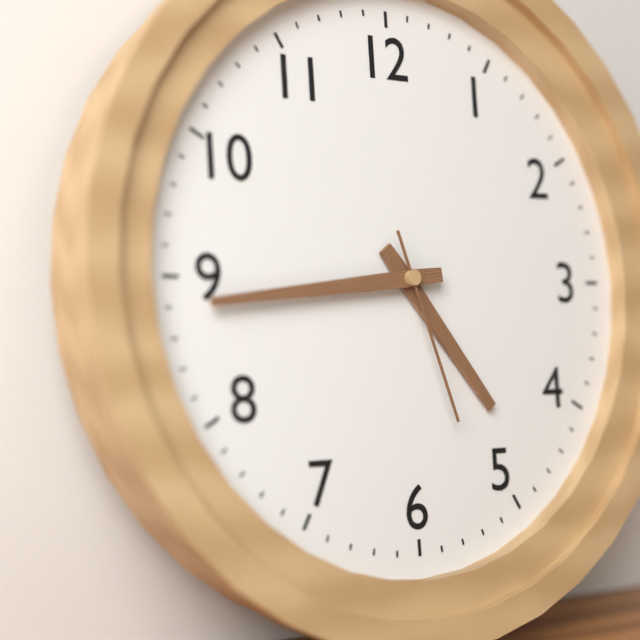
4:44:27
